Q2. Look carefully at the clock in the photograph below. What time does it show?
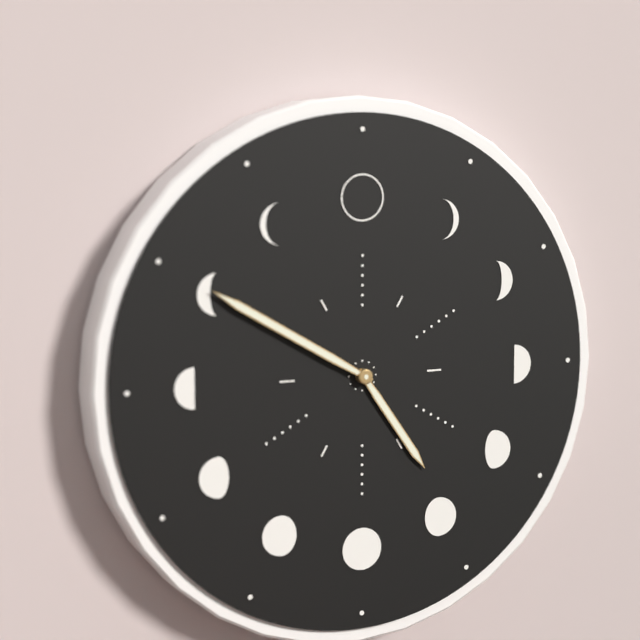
4:50
